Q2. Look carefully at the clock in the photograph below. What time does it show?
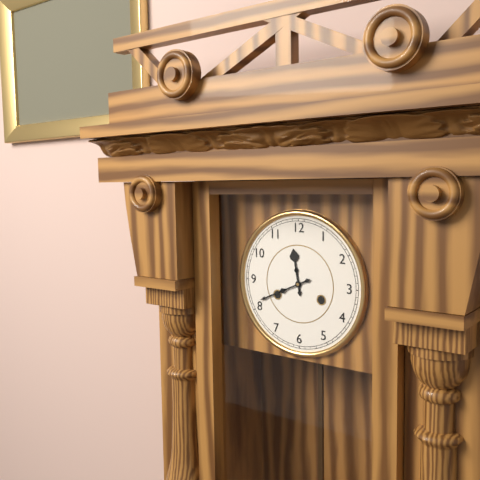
11:41
